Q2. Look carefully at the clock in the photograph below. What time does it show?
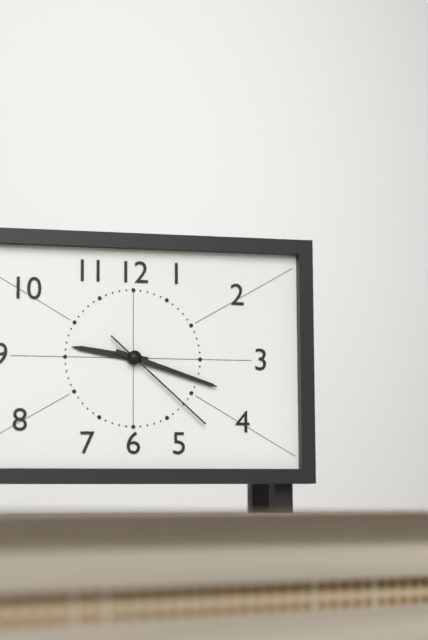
9:18:22
